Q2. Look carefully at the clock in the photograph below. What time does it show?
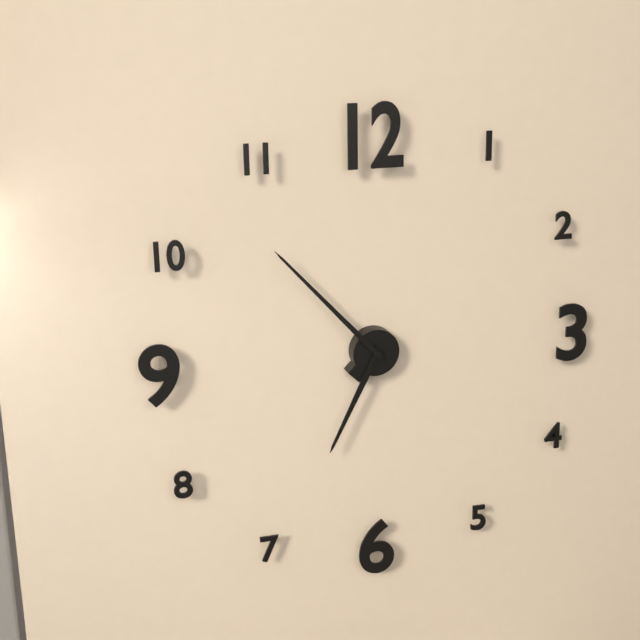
6:53
